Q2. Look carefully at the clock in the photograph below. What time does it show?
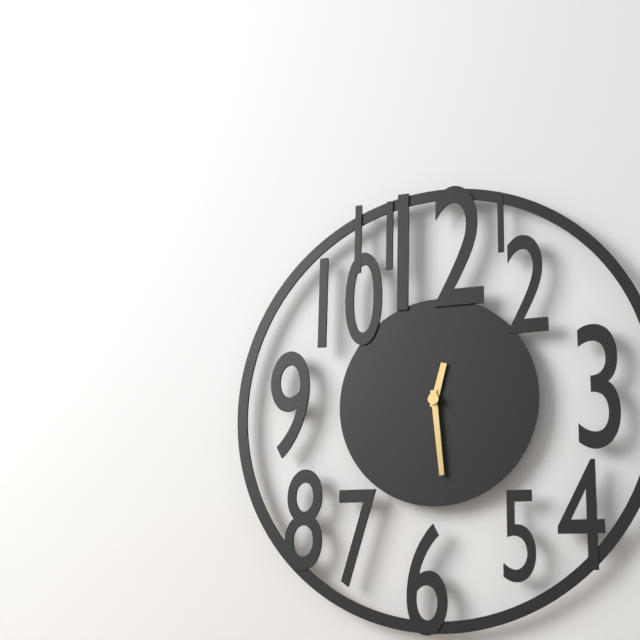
12:29
